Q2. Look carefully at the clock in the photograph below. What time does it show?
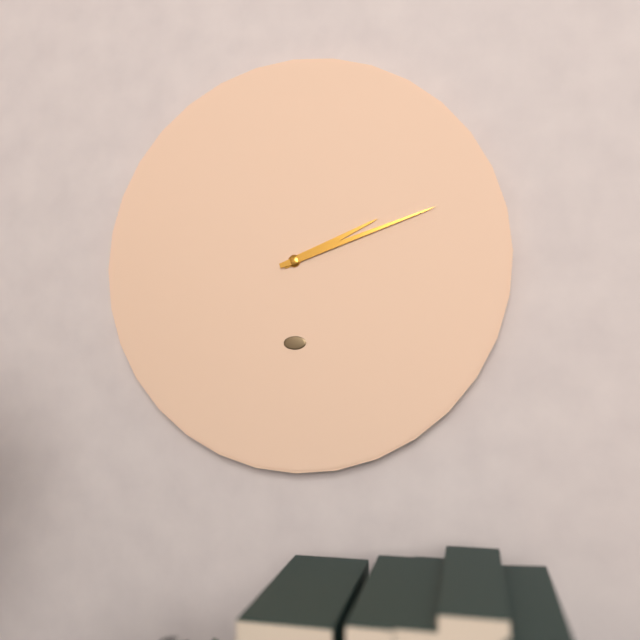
2:12
